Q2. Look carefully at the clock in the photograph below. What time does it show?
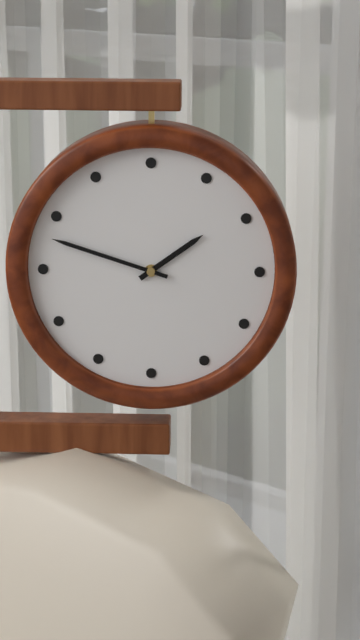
1:48
